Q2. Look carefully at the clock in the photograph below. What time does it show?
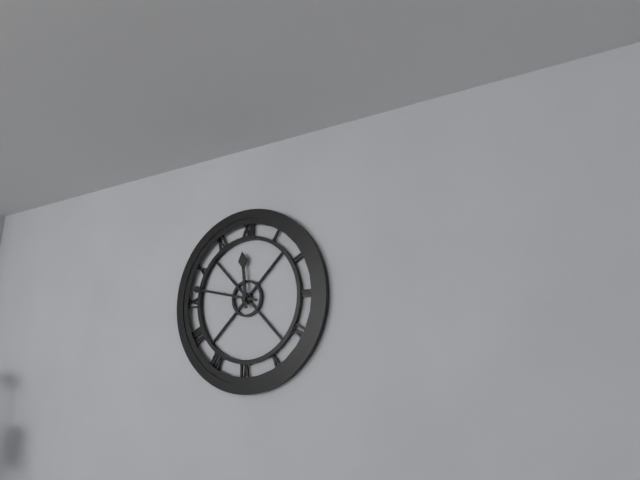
11:47
